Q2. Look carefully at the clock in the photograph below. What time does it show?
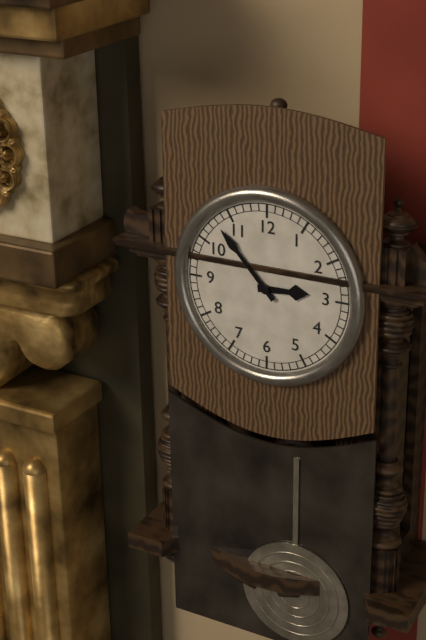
2:53
